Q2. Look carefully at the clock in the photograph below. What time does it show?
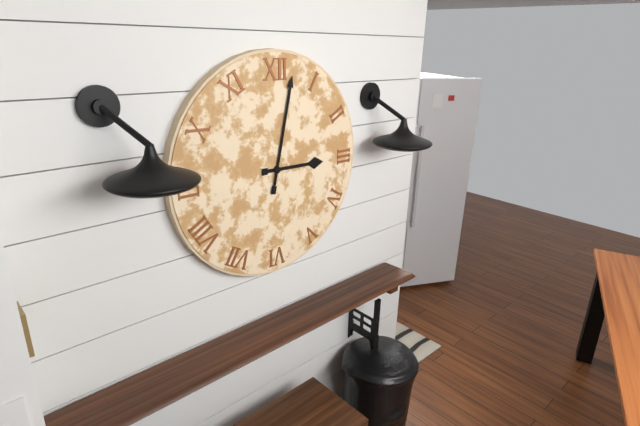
3:02
